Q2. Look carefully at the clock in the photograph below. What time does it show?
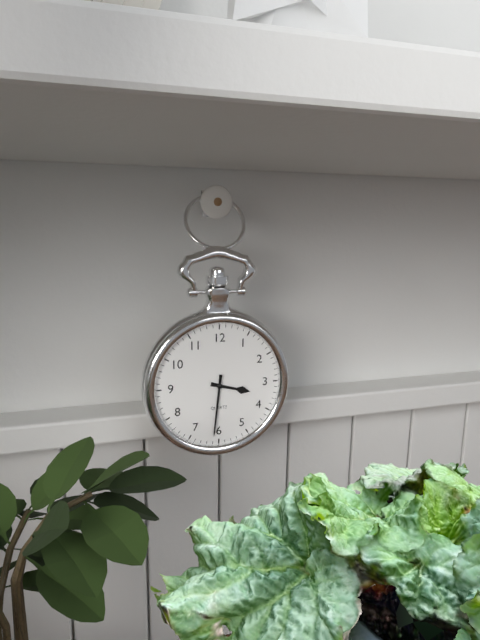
3:31
